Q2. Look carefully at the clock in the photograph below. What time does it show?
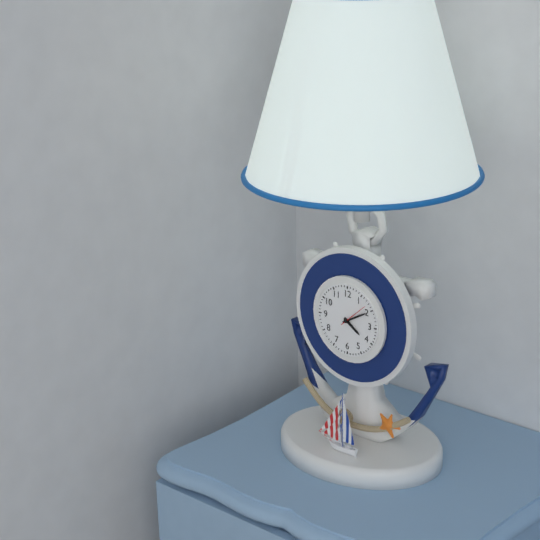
4:10
